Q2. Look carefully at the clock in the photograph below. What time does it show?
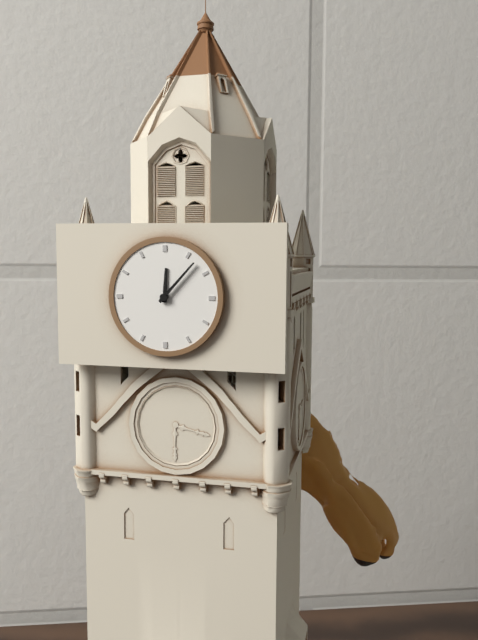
12:07
